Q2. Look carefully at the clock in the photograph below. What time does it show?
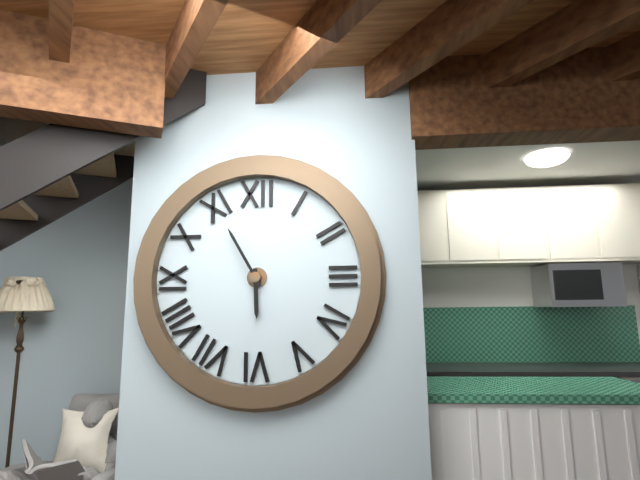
5:55
